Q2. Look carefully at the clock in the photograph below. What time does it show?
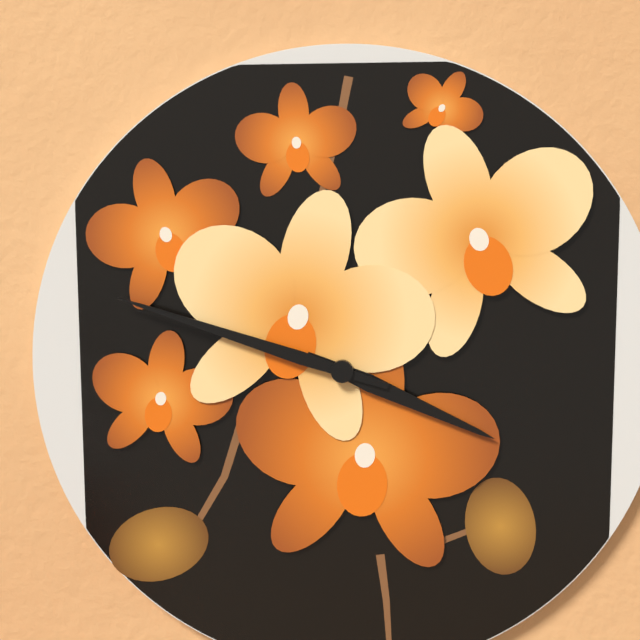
3:48
